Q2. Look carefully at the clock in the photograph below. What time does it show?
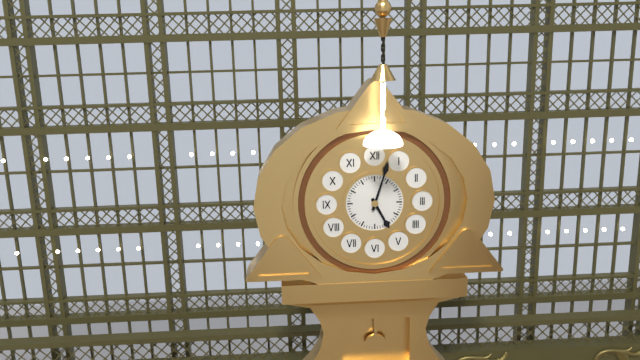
5:03
